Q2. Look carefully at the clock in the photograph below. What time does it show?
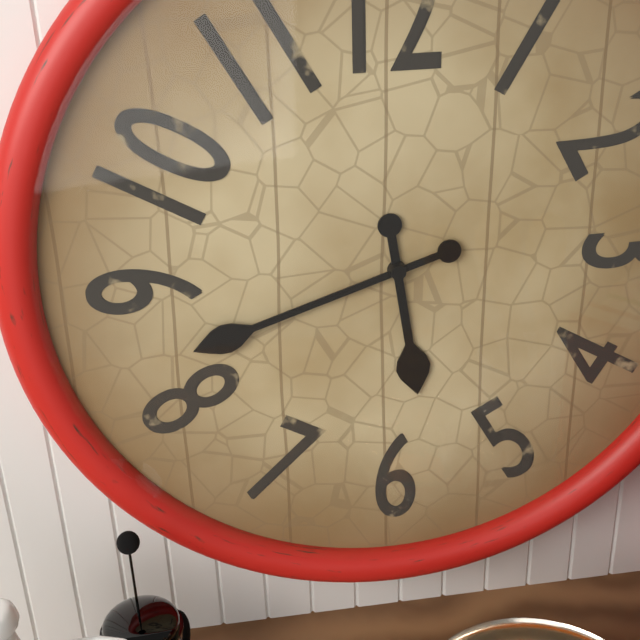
5:42
